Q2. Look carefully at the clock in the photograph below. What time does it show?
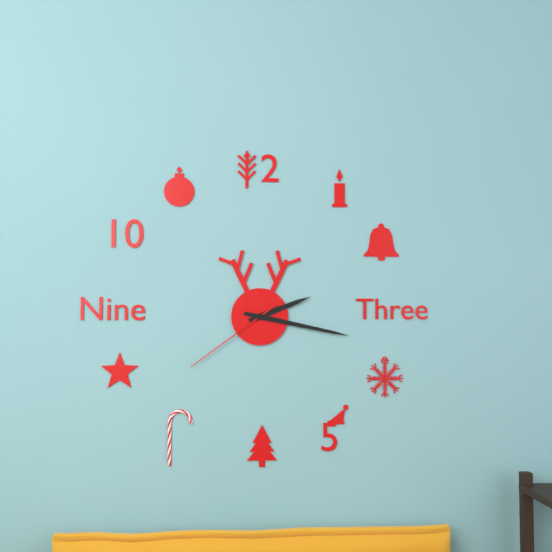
2:17:39
